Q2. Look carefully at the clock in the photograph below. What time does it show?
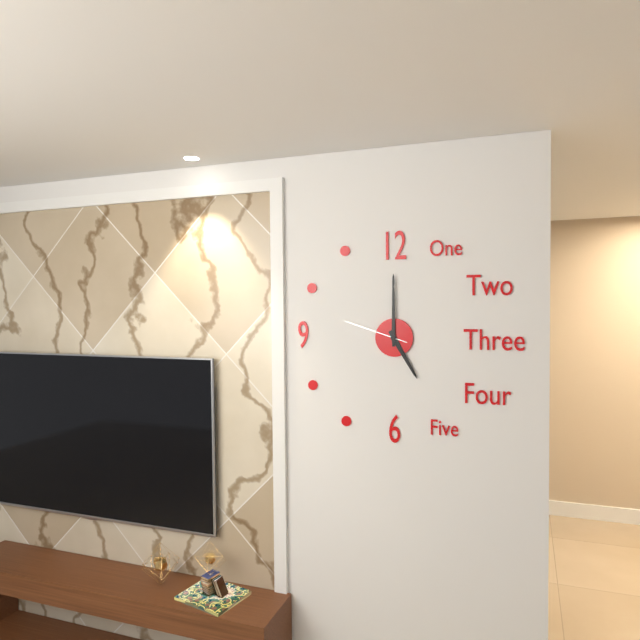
5:00:48
